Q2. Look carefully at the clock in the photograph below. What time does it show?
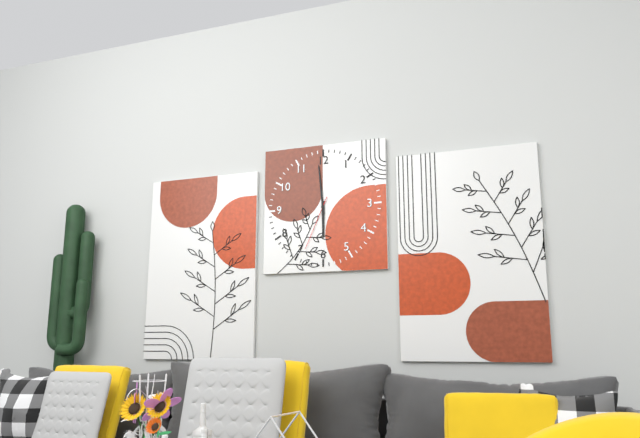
5:59:34
